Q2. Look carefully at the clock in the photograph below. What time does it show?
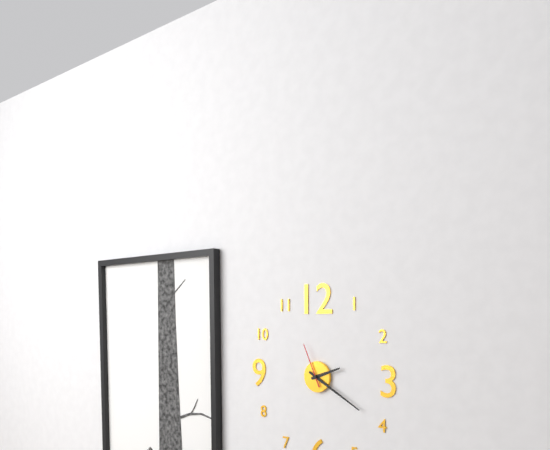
2:20
